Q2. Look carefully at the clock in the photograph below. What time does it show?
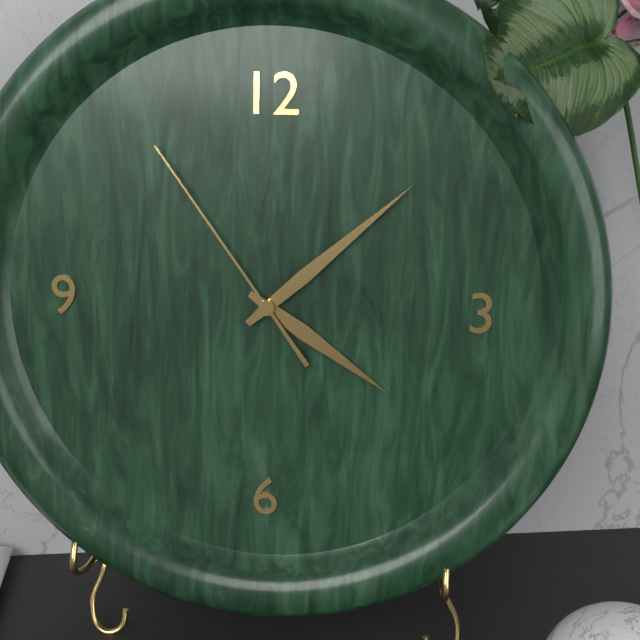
4:08:54
